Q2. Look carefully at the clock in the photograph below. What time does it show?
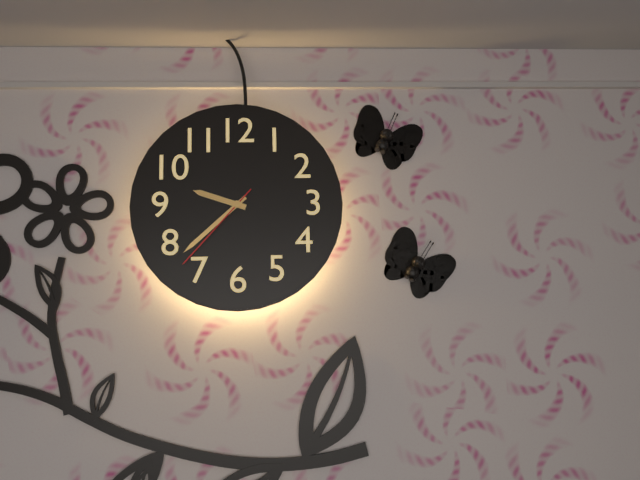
9:38:37
